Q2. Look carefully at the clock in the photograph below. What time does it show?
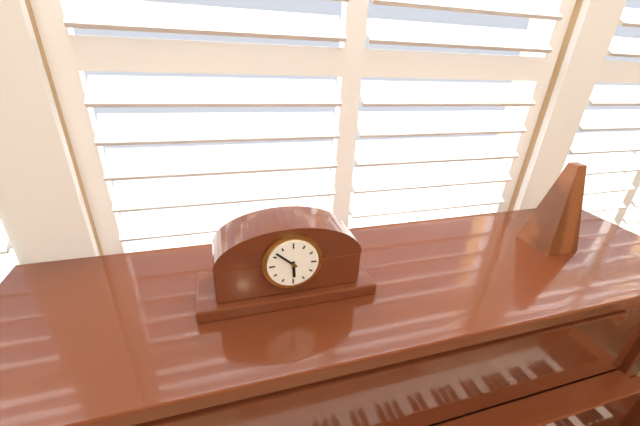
5:52
